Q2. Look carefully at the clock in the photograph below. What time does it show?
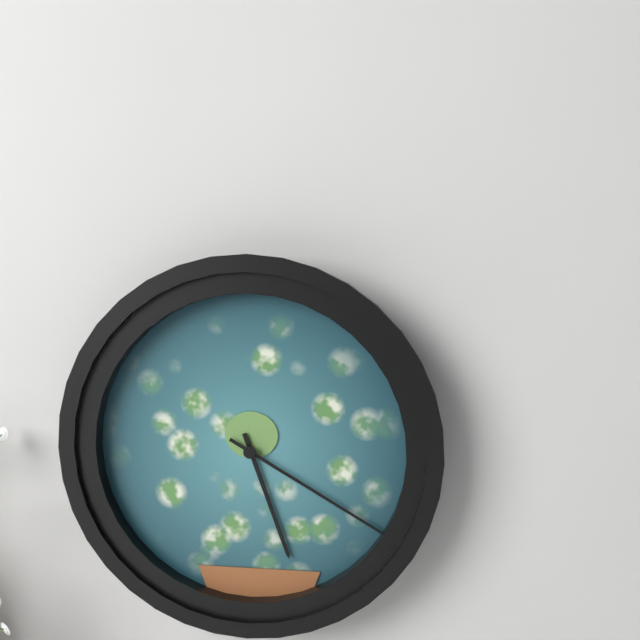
5:20
